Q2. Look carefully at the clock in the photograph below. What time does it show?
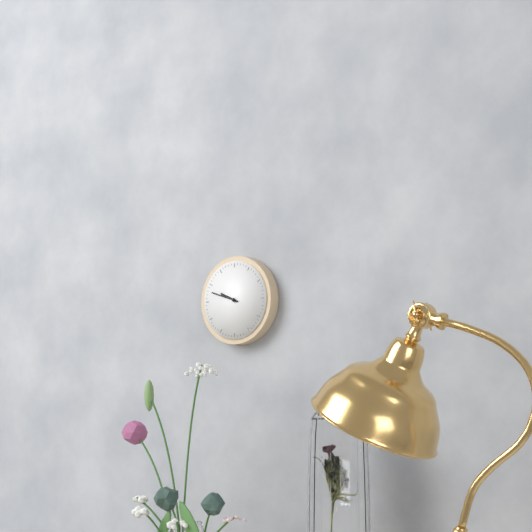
9:48
